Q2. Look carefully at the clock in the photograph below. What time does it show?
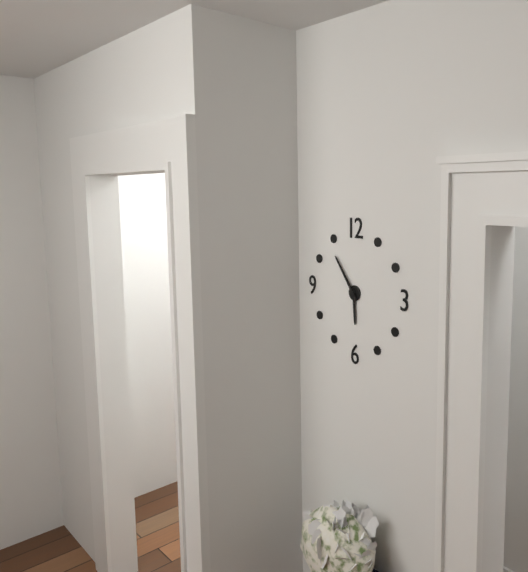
5:54
